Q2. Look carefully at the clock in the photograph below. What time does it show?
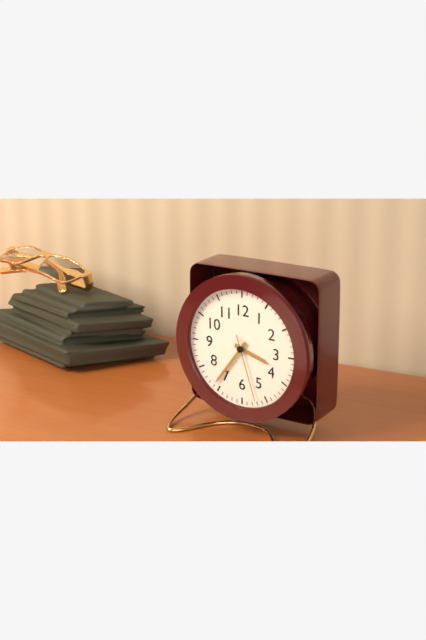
3:36:27
